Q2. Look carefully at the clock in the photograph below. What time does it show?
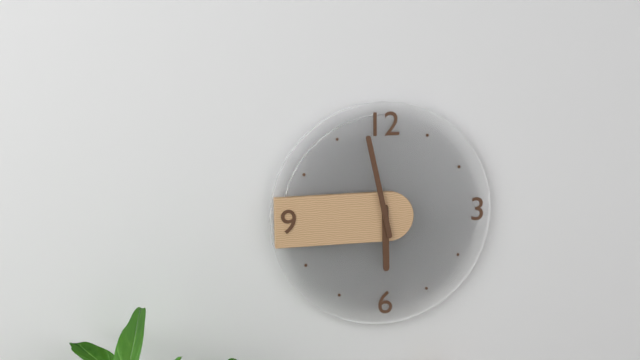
5:58
